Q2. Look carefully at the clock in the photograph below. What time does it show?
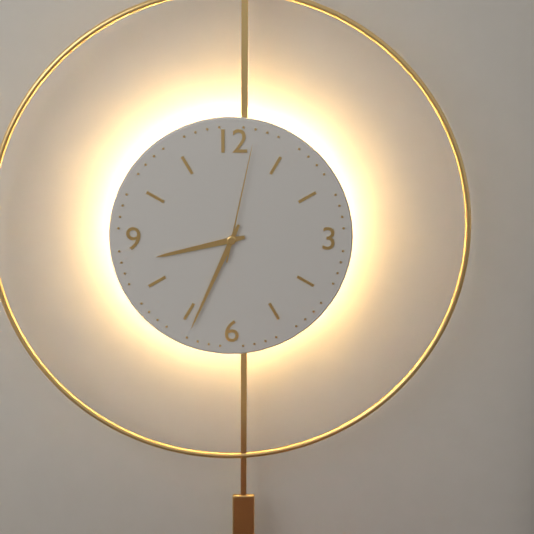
8:34:02
